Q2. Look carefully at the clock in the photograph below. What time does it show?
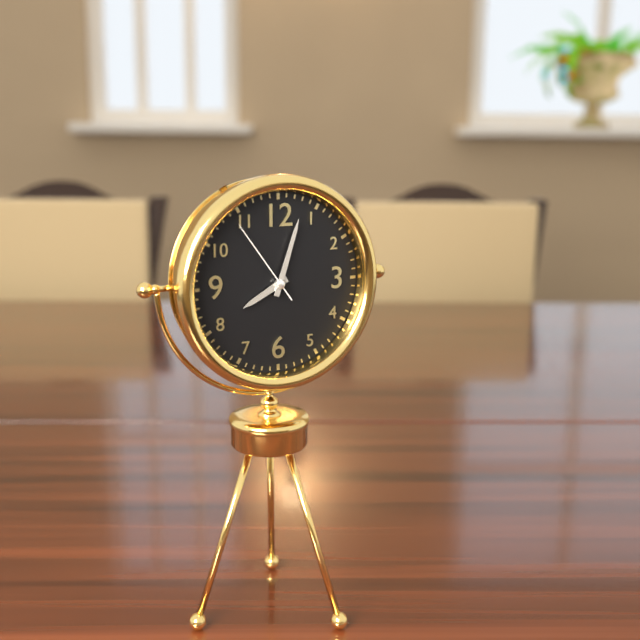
8:03:54
